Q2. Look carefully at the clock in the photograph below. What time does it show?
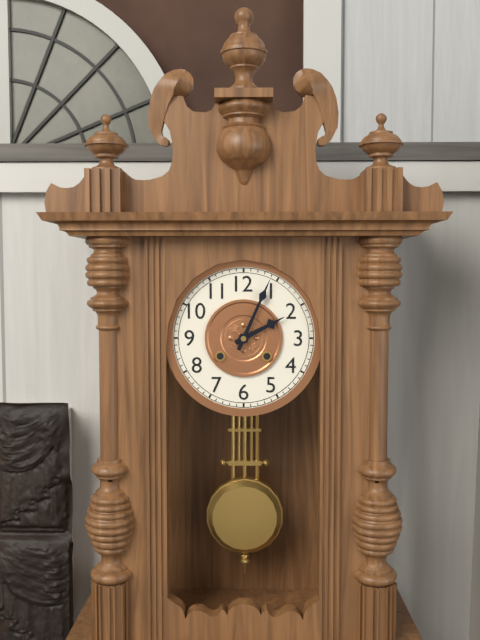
2:04
